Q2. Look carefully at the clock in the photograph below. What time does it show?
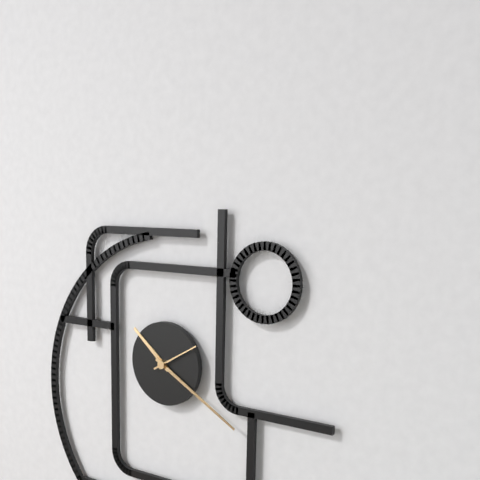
10:20
